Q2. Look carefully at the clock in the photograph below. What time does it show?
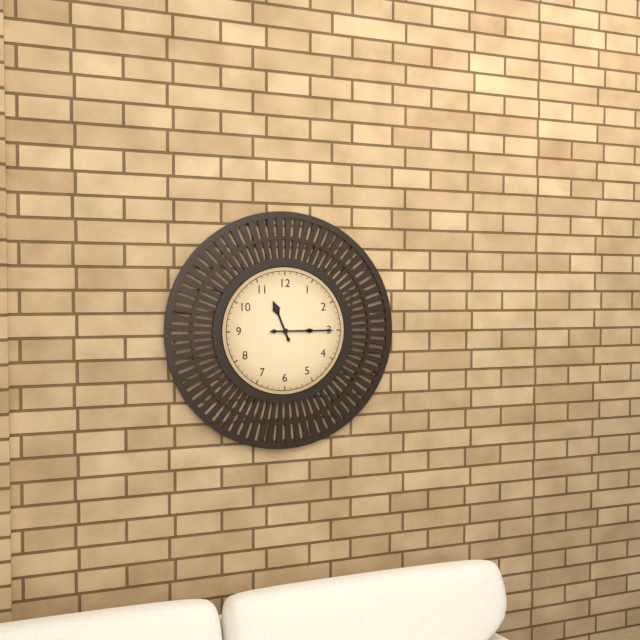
11:15
